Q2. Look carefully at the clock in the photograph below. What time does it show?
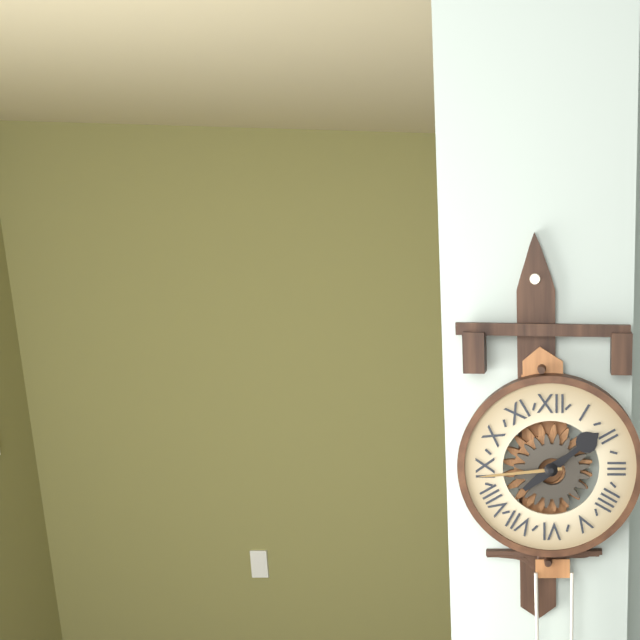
1:44
